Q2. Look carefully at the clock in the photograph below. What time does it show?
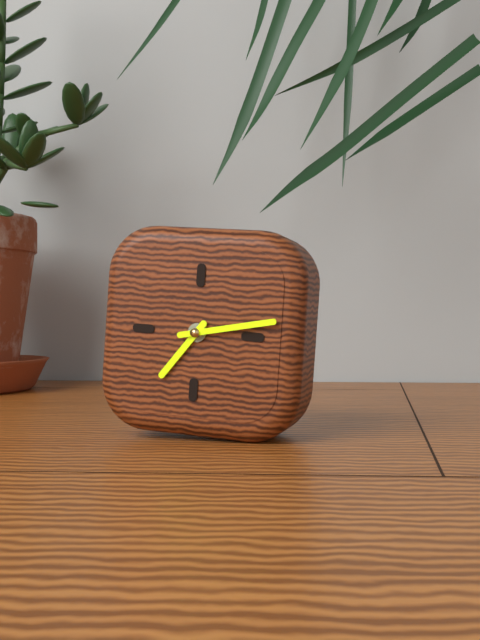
7:13
